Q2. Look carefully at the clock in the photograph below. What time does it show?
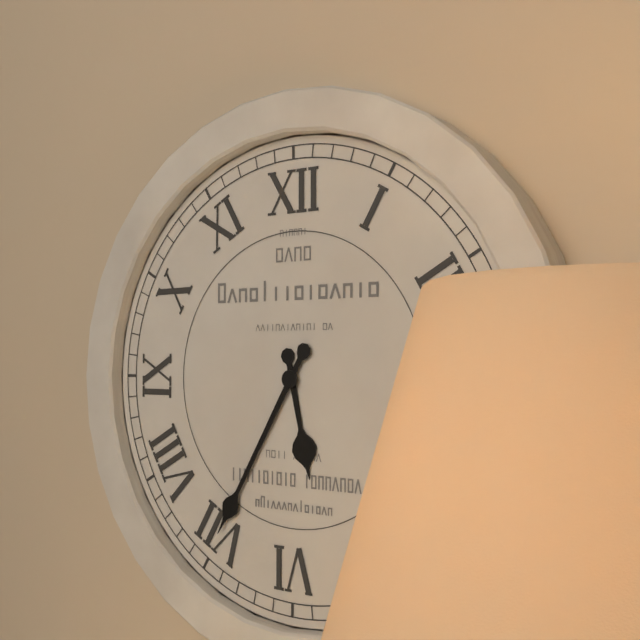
5:35
